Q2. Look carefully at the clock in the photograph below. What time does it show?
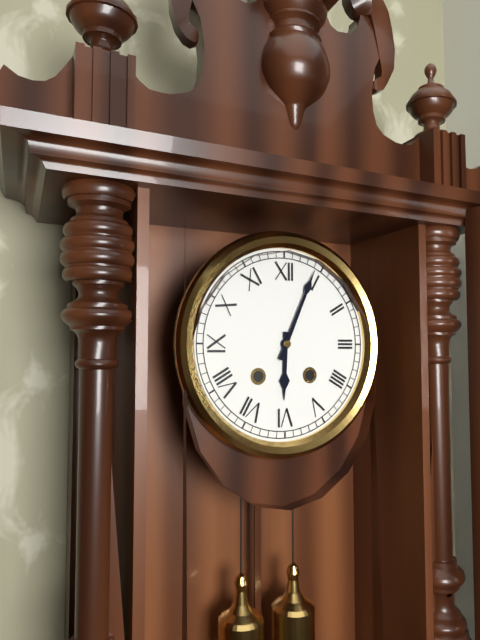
6:04
